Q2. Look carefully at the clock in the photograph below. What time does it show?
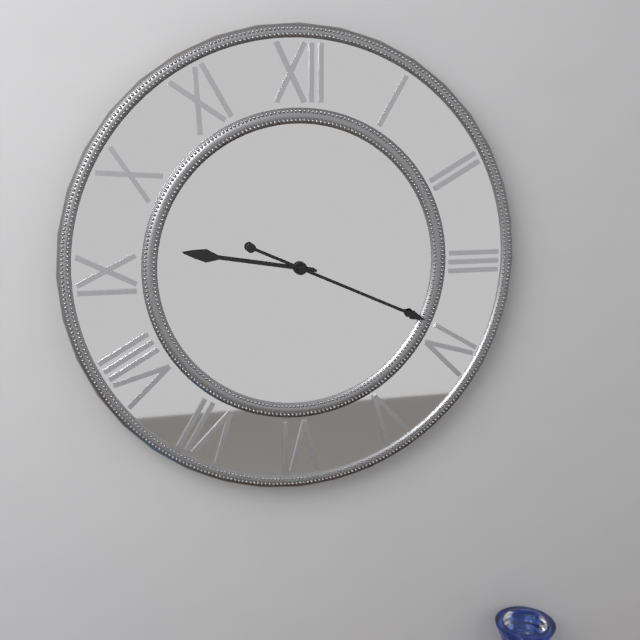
9:19
